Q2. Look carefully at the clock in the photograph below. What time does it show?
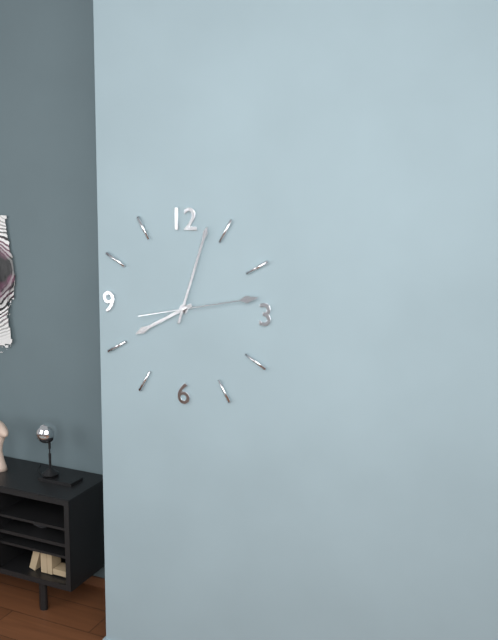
8:03:13
